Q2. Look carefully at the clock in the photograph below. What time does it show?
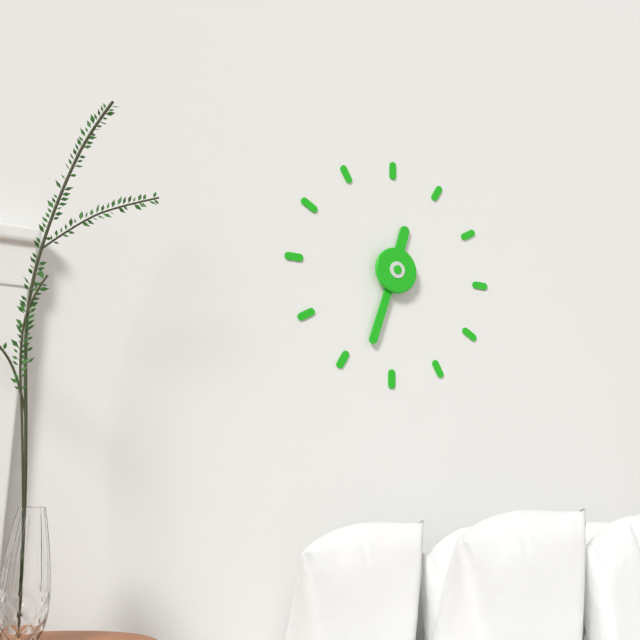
12:33
